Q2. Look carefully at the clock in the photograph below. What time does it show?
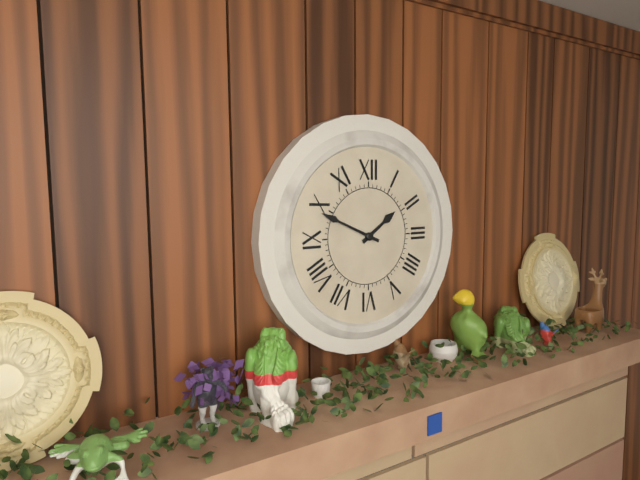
1:49
